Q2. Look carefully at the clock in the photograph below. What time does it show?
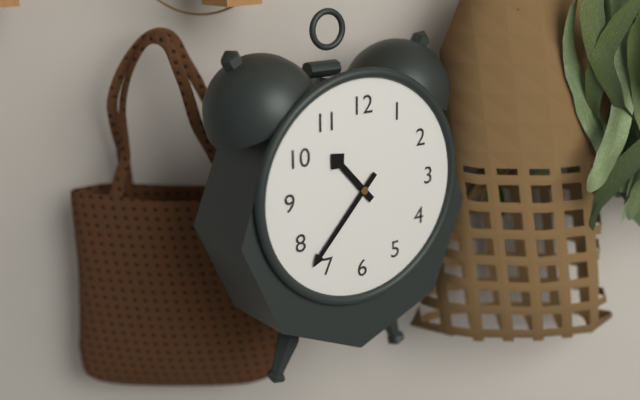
10:37
